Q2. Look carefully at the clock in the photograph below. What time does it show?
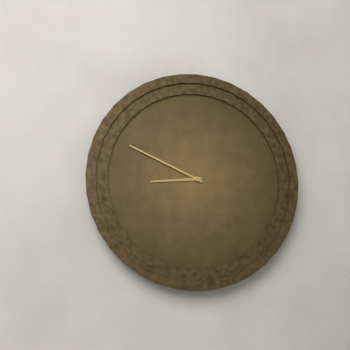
8:49
